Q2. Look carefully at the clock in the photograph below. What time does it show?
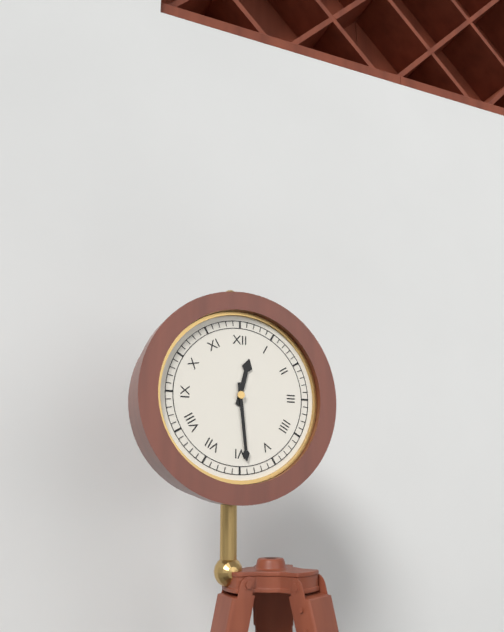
12:29
